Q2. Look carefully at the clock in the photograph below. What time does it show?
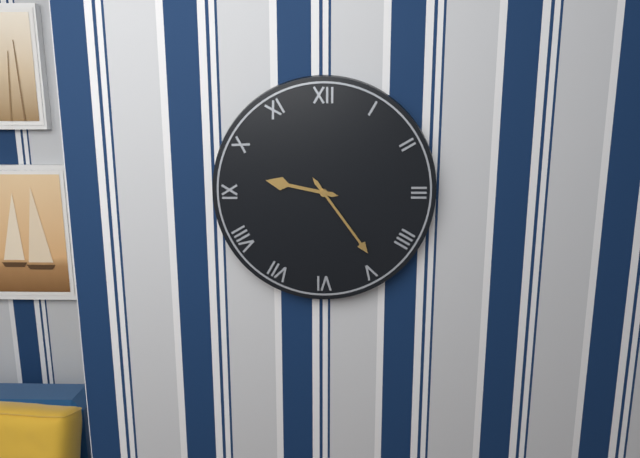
9:24
